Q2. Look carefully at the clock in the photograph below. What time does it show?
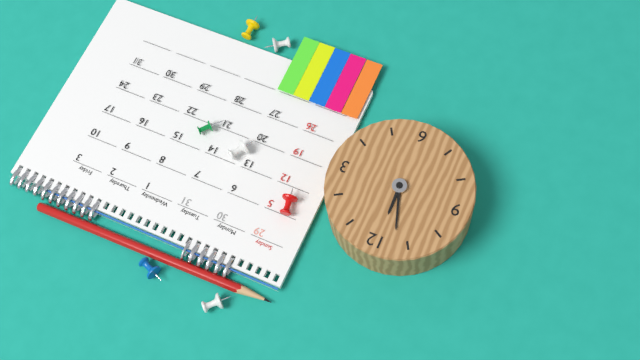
11:57
